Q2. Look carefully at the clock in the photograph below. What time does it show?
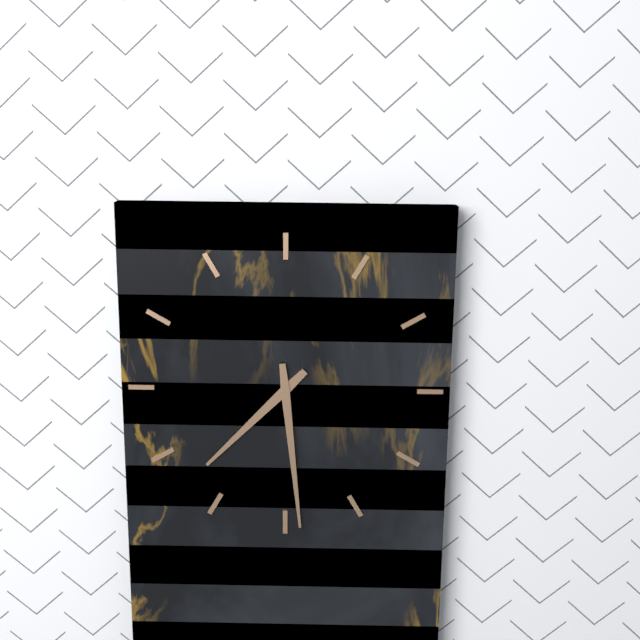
7:29
